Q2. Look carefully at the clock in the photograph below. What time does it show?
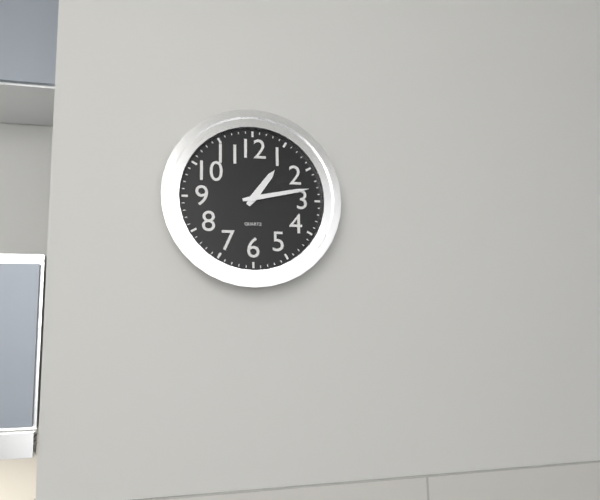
1:13
